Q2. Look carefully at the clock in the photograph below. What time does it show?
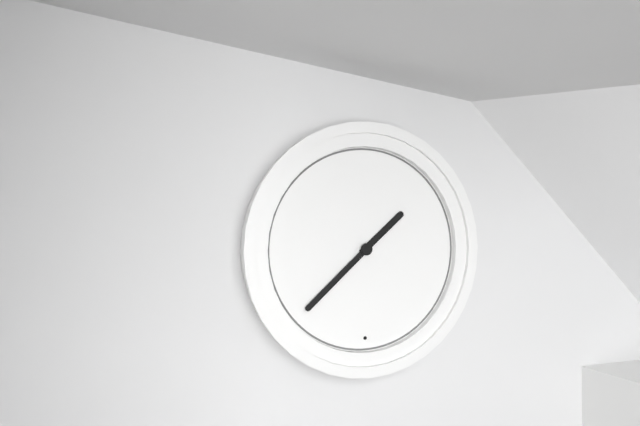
1:38
